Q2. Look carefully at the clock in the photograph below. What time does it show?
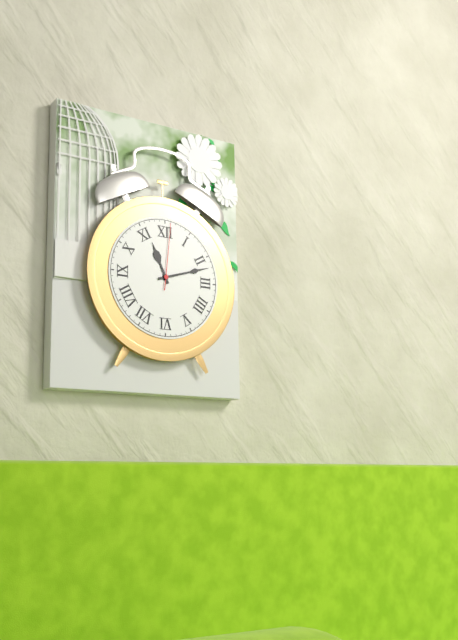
11:12:01
